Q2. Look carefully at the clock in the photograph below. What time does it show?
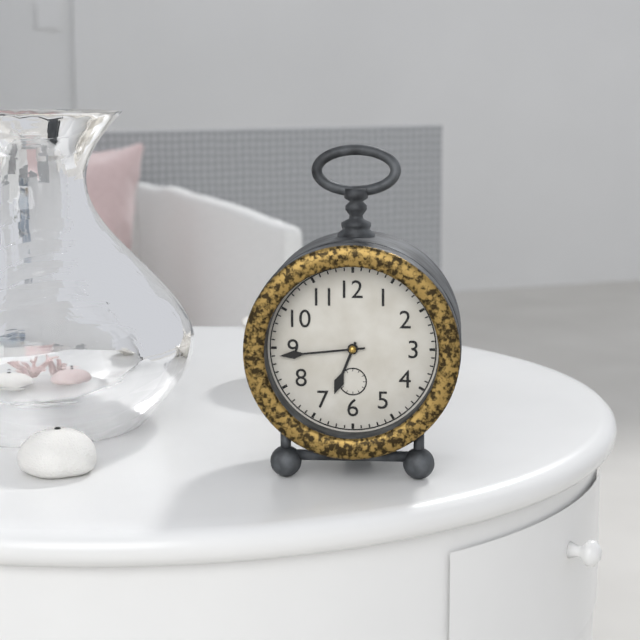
6:44
